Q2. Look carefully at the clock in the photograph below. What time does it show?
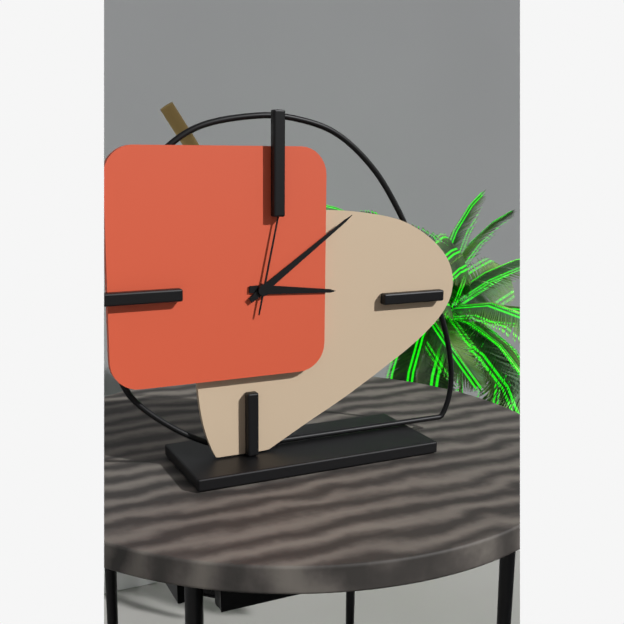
3:09:02
